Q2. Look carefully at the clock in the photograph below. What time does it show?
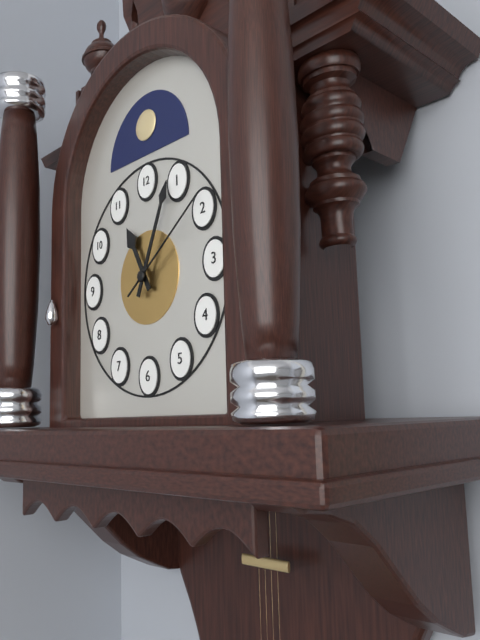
11:04:09
